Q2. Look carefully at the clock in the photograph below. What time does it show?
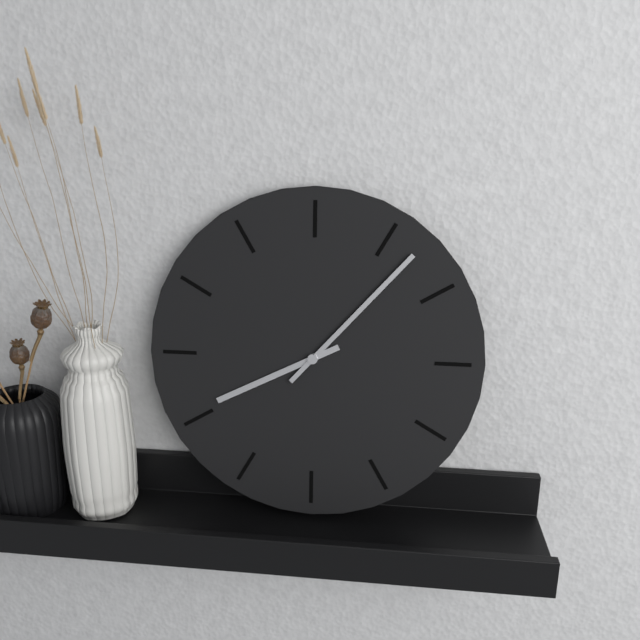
8:07
